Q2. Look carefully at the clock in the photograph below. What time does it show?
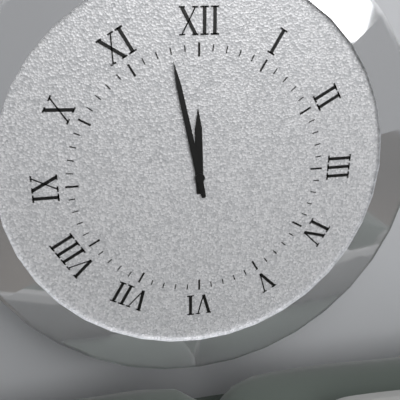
11:58
